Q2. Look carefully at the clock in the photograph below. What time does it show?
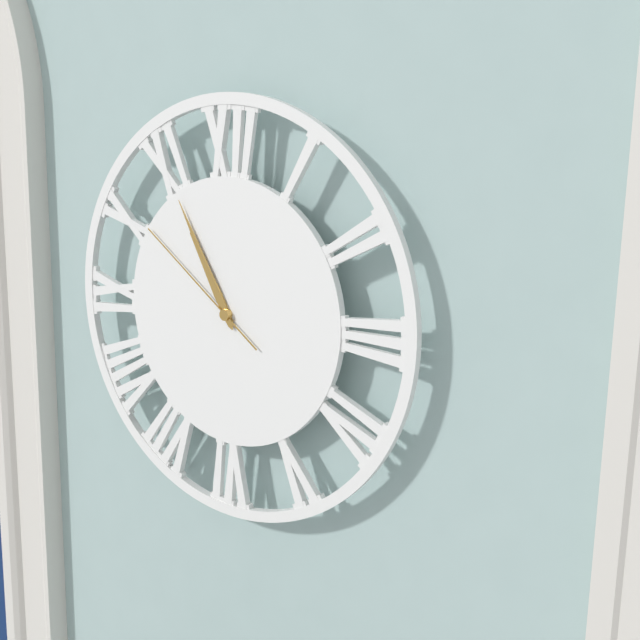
10:55:51
